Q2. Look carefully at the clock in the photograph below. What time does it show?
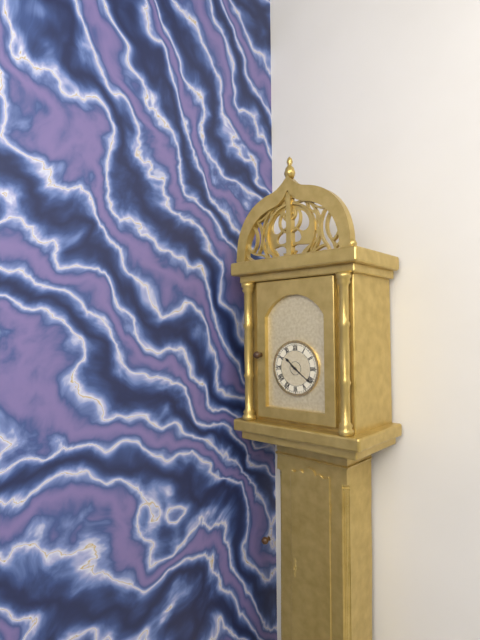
10:21
